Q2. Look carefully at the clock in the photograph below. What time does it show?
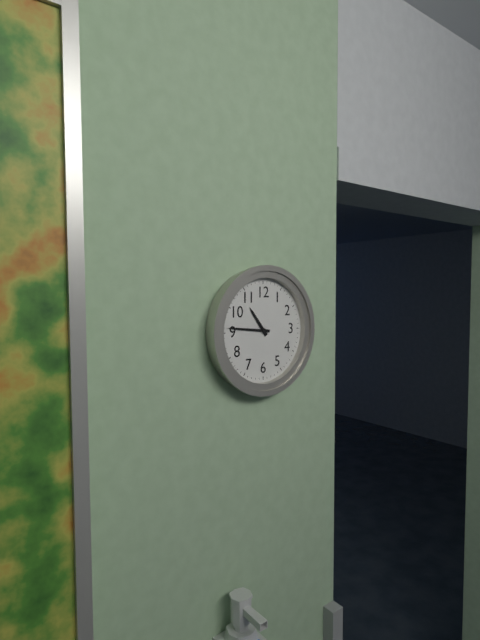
10:46
